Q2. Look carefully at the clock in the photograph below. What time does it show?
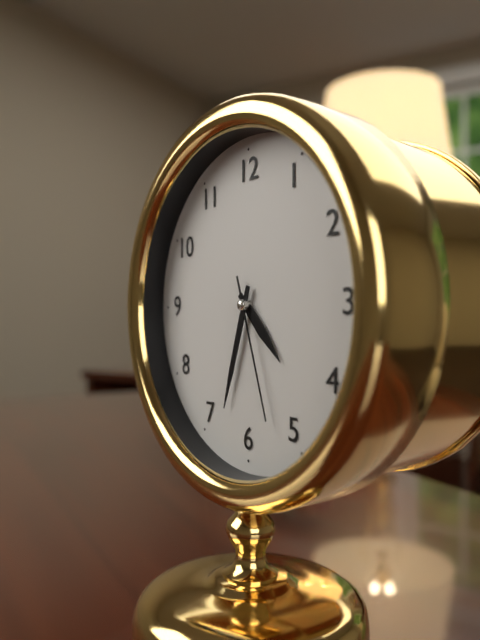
4:33:27
